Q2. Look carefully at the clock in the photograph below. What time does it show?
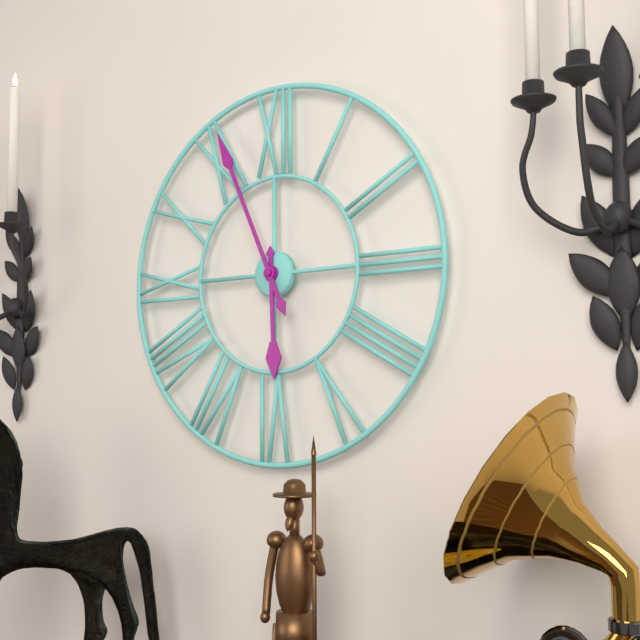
5:56
